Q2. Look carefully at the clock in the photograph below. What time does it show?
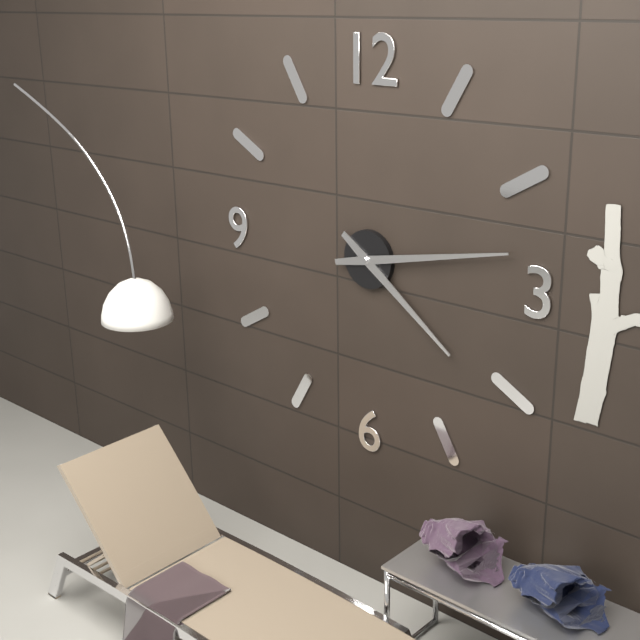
4:13
